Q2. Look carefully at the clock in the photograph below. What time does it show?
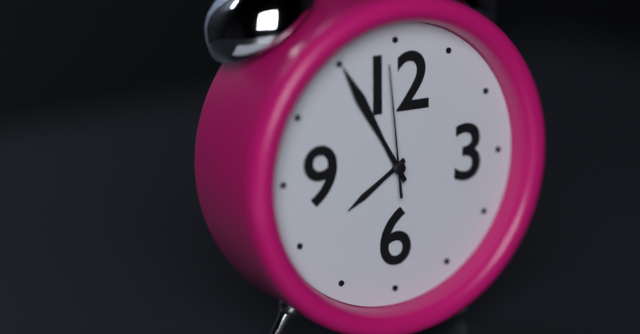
7:55:59
